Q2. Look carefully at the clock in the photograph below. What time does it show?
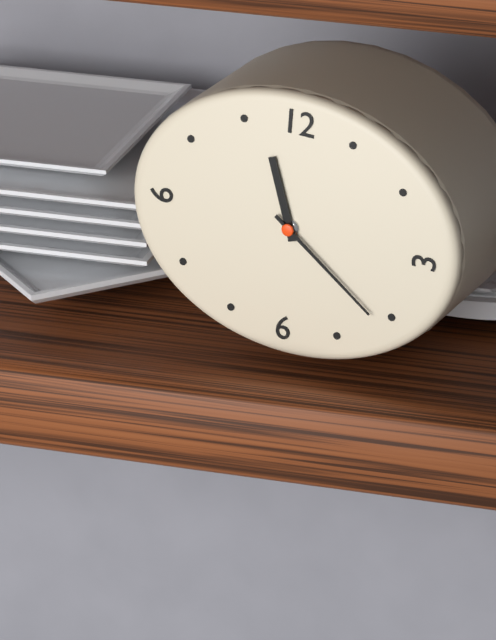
11:21
